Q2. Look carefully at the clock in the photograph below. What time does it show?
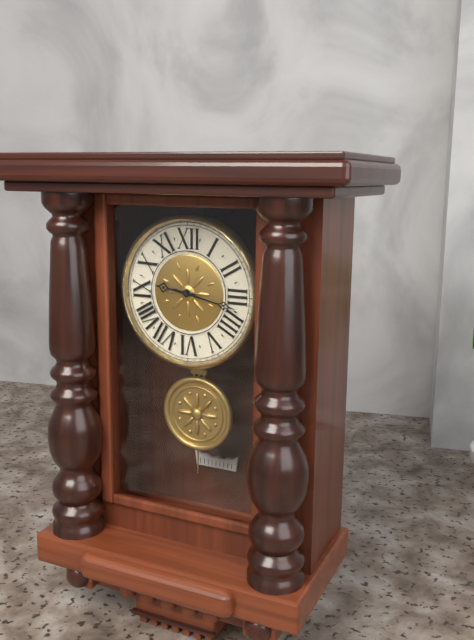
9:17
